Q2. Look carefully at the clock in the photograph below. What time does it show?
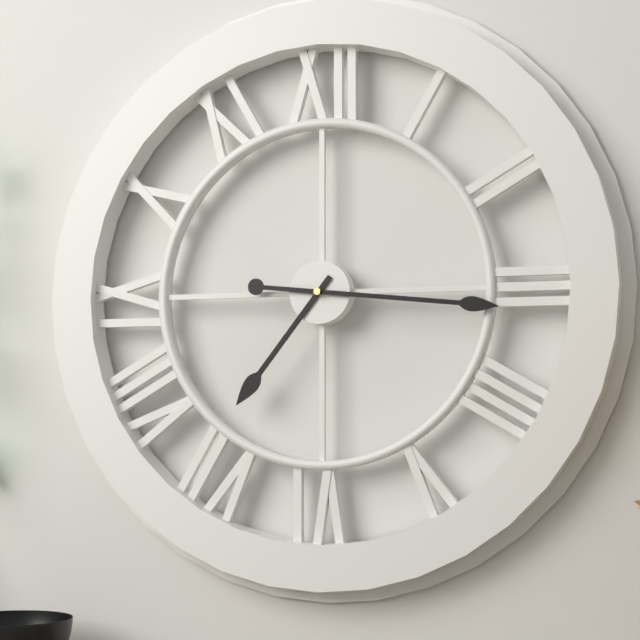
7:16
